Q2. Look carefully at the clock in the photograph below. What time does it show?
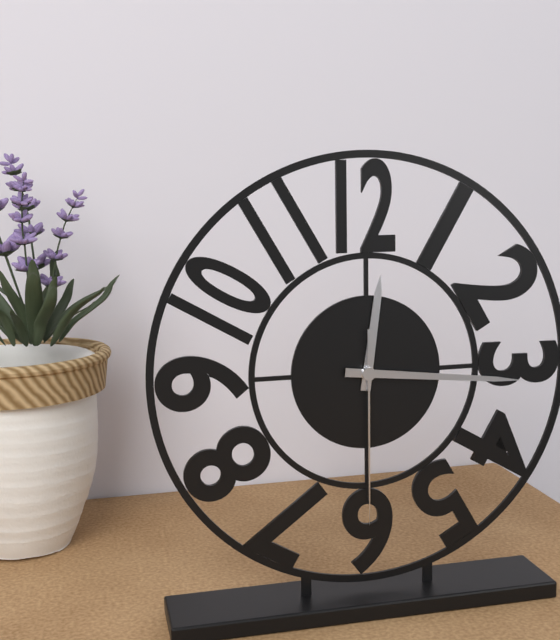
12:16:30
